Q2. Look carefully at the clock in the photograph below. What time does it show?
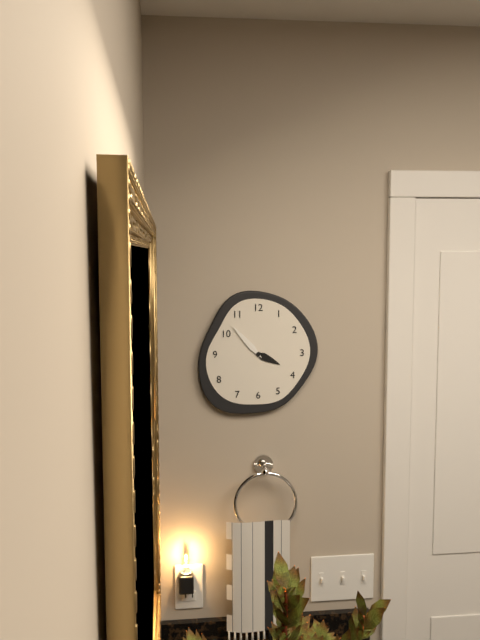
3:53
